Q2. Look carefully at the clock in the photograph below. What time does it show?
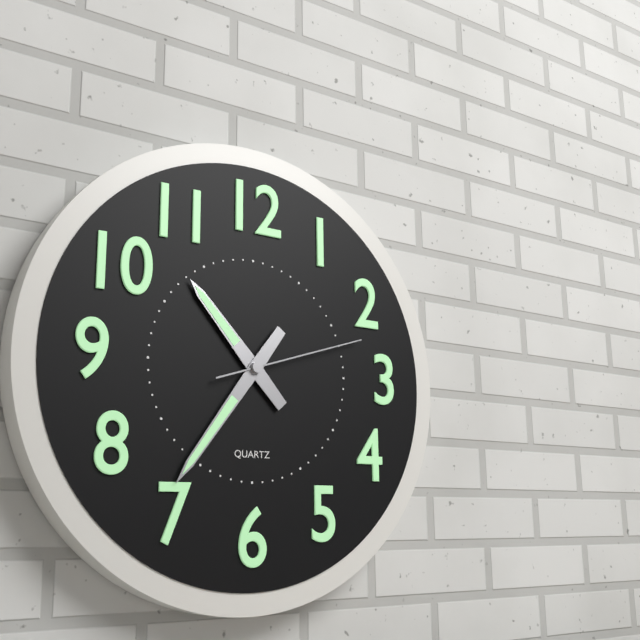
10:36:12
